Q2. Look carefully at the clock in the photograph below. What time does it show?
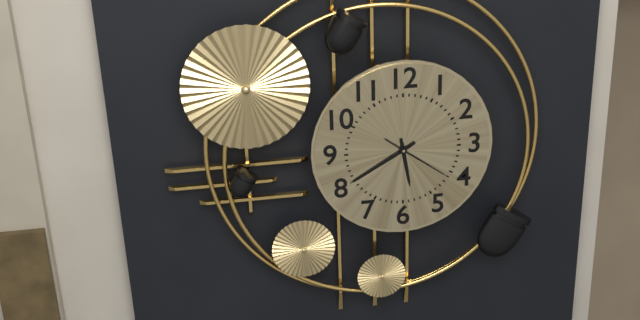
5:40:21
